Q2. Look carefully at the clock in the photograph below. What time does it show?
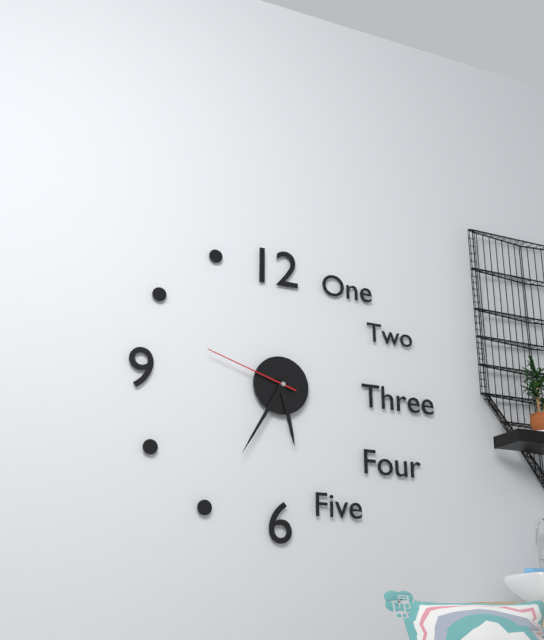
5:35:48
